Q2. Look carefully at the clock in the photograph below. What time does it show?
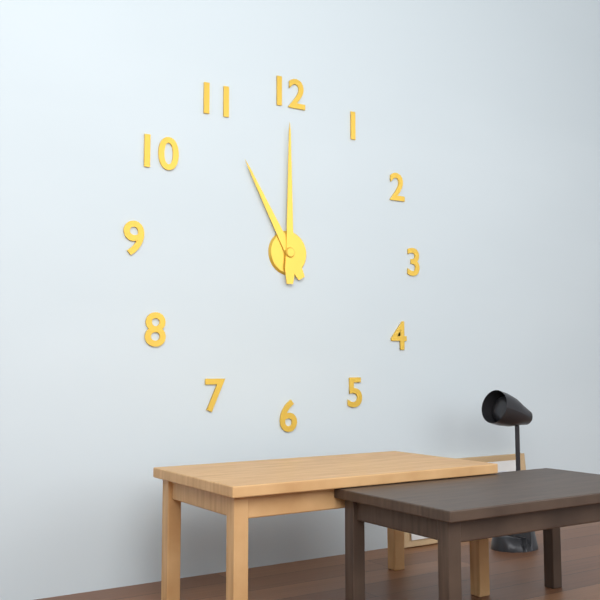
11:00
